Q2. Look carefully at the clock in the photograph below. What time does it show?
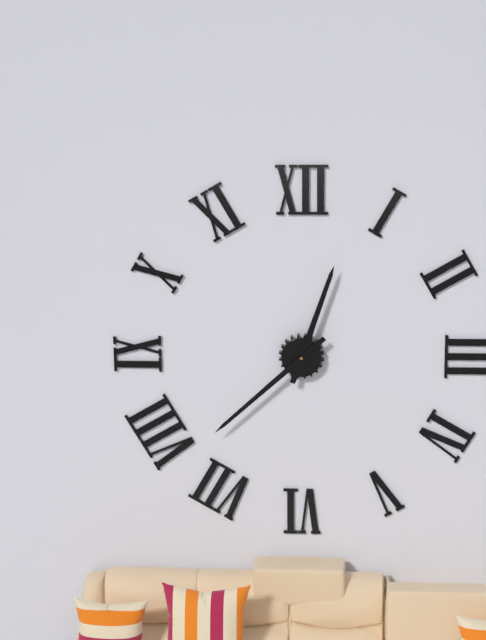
12:38
